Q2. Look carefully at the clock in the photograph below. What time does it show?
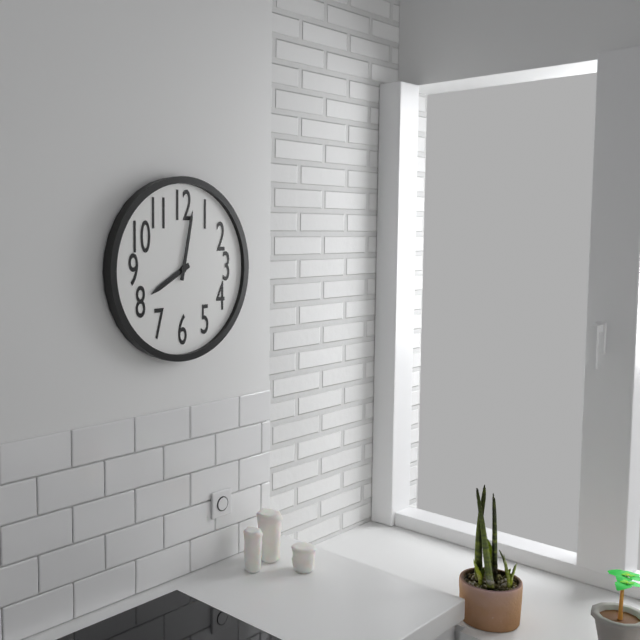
8:02
